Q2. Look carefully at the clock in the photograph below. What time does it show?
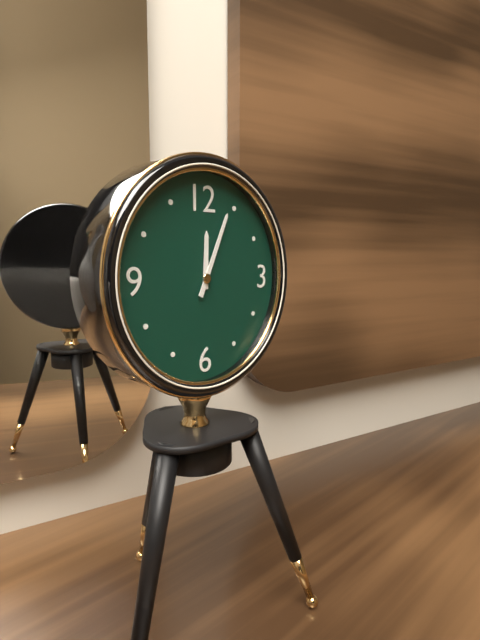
12:04
